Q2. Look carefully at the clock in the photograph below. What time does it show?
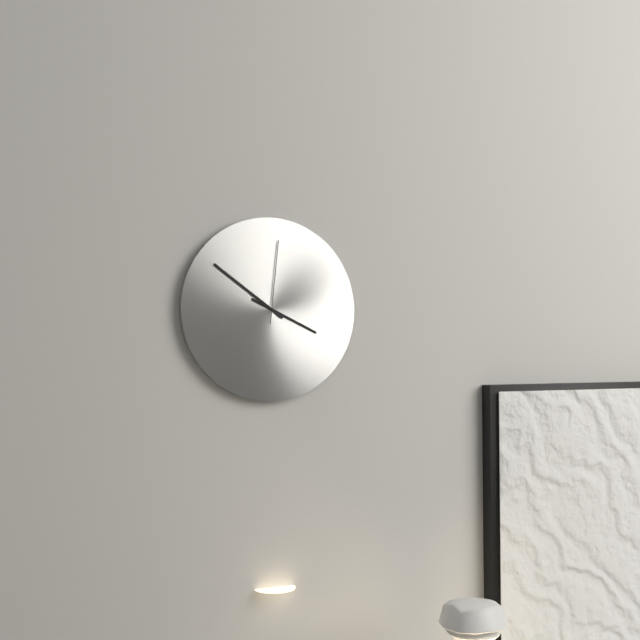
3:51:01
